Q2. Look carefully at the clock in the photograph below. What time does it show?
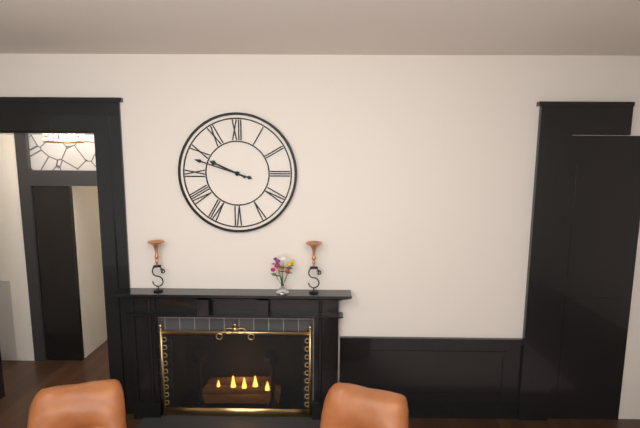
9:48
